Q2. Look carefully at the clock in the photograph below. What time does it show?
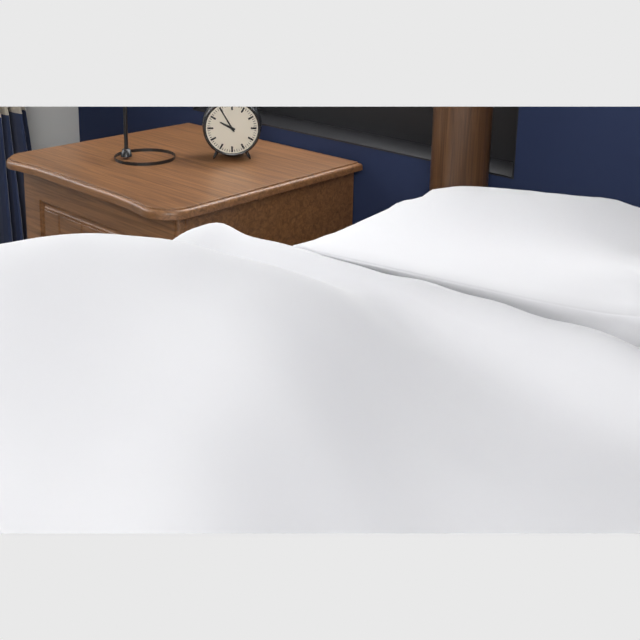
9:55
